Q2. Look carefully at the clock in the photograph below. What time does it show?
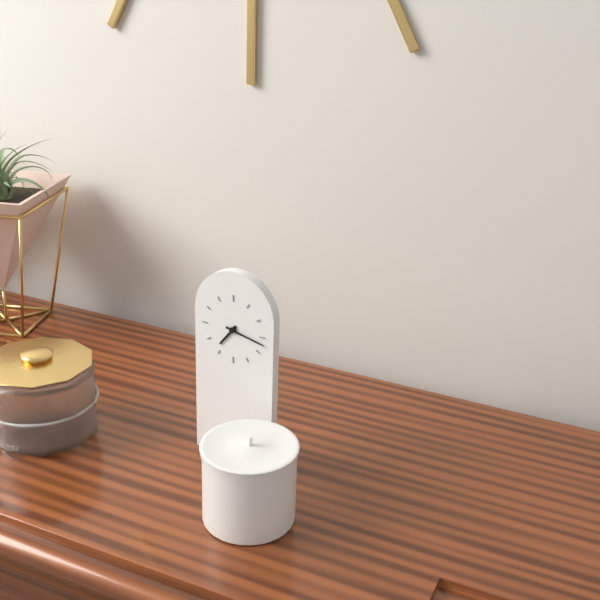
7:17
